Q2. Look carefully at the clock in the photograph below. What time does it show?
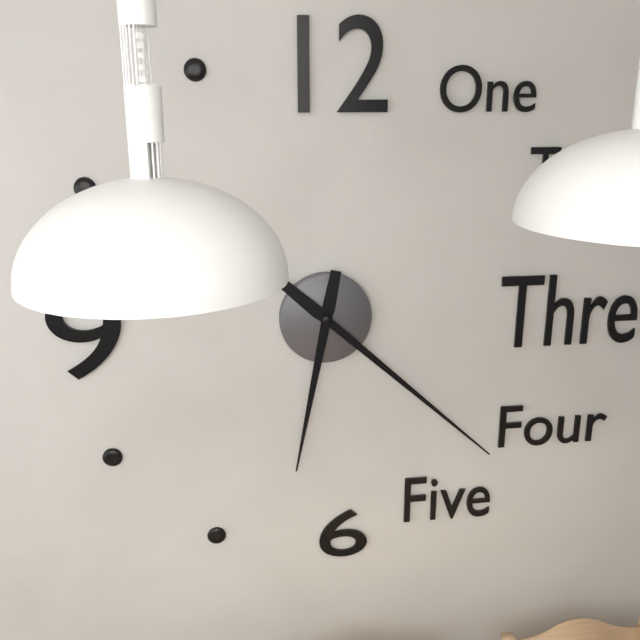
6:22
